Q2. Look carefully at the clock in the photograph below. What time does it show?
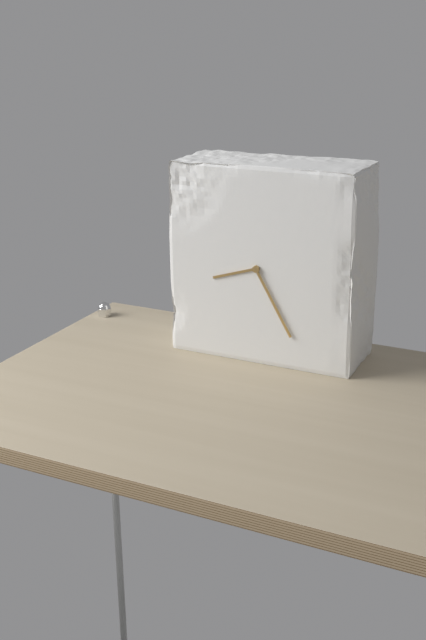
8:25
